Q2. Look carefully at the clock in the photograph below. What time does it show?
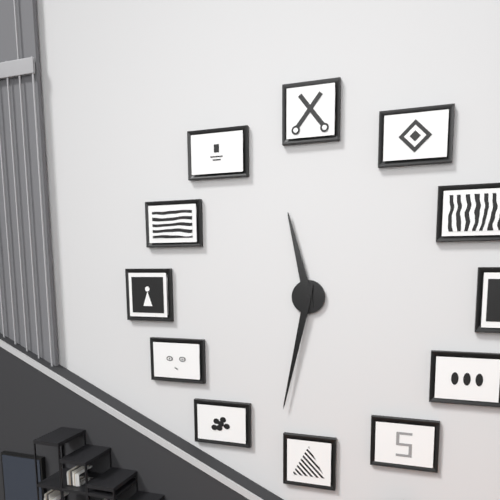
11:32
